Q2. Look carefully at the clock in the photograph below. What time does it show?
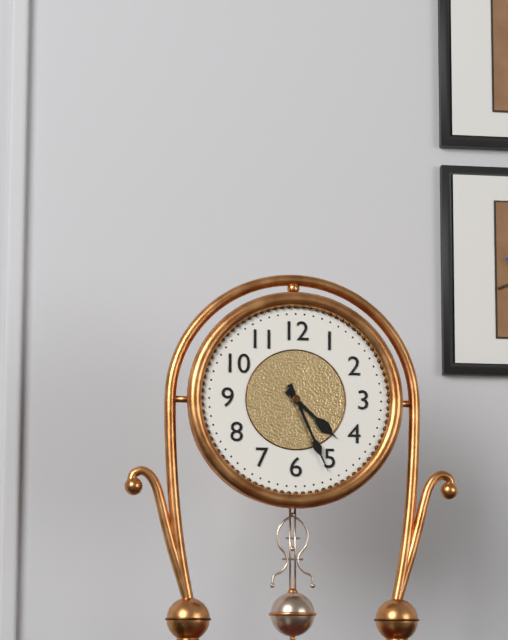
4:26
